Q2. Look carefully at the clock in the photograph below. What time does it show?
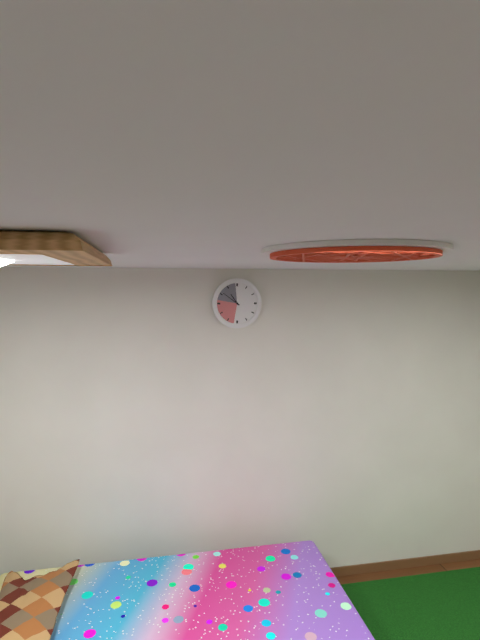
10:51
